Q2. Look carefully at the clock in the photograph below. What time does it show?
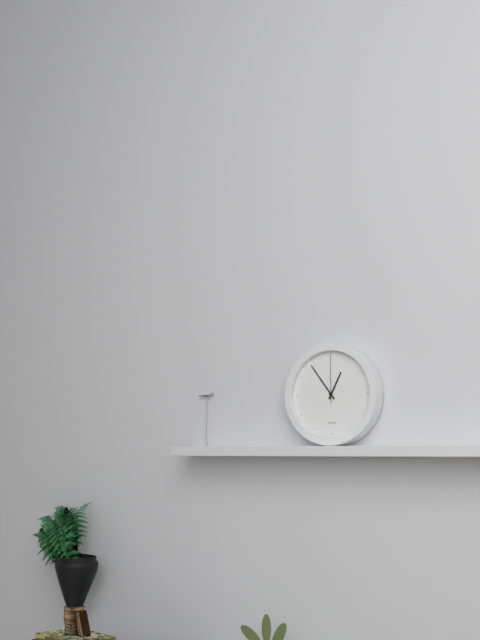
12:54
